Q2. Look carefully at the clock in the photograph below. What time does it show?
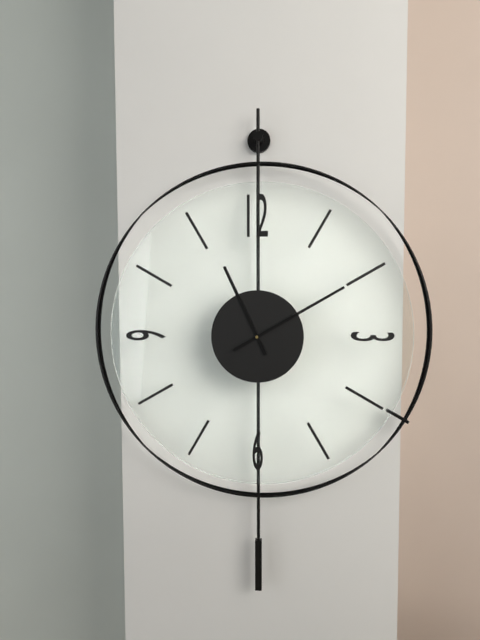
11:10
